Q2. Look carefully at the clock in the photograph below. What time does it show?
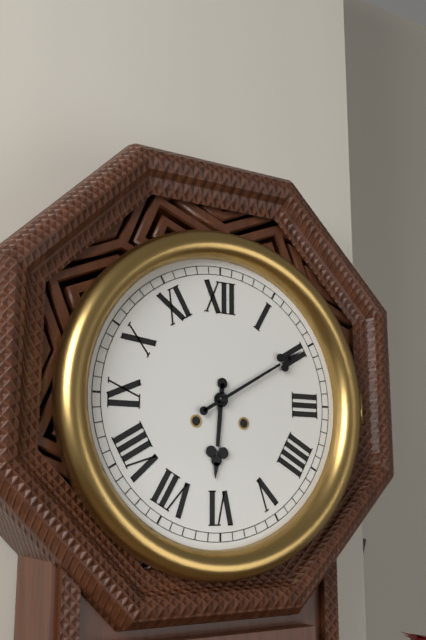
6:10
